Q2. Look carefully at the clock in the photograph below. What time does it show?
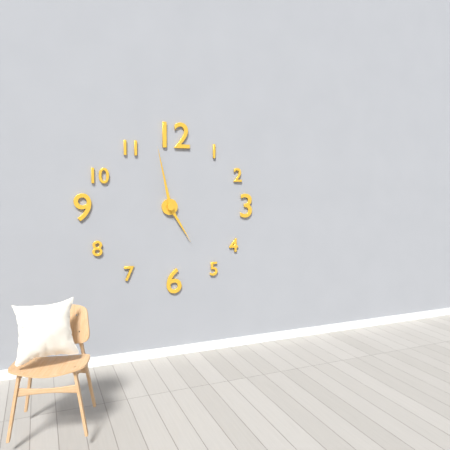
4:58
